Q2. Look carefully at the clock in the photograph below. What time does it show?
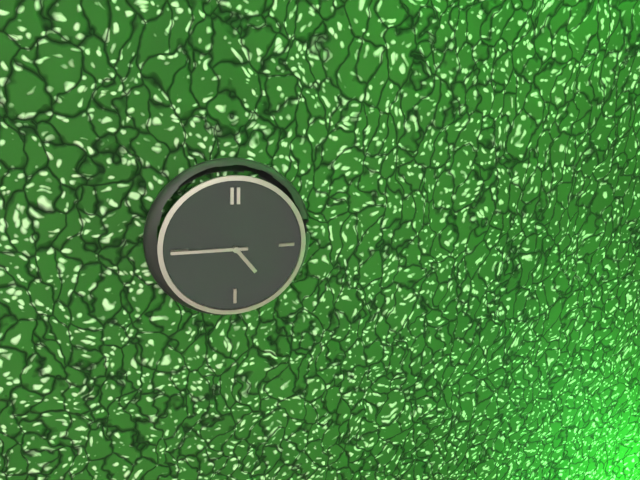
4:45
